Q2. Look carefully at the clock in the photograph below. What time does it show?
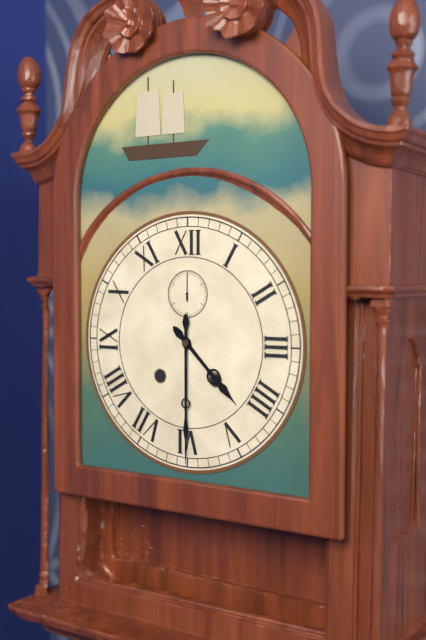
4:30
